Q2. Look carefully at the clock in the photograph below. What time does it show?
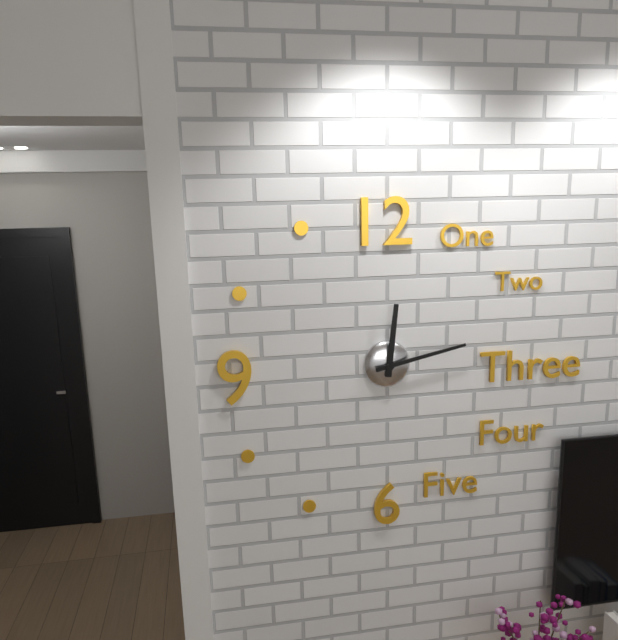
12:13
